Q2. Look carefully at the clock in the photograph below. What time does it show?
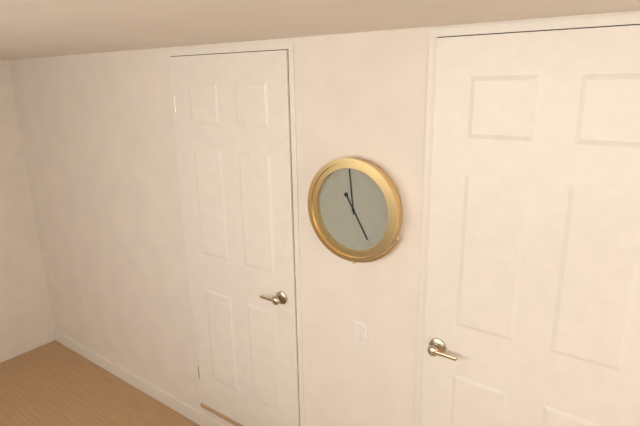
4:59
